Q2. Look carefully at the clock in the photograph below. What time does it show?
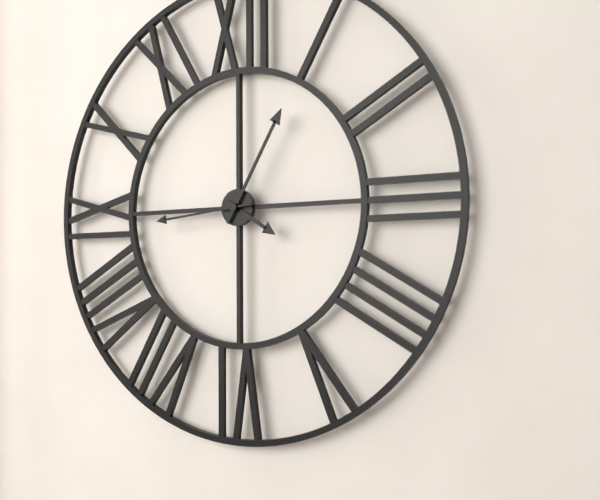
4:05:44
